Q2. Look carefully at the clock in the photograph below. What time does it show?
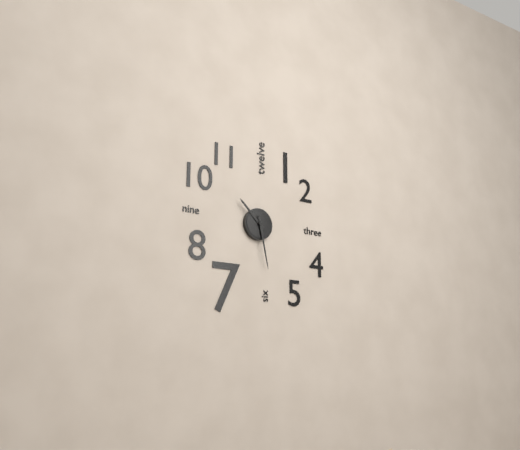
10:28
